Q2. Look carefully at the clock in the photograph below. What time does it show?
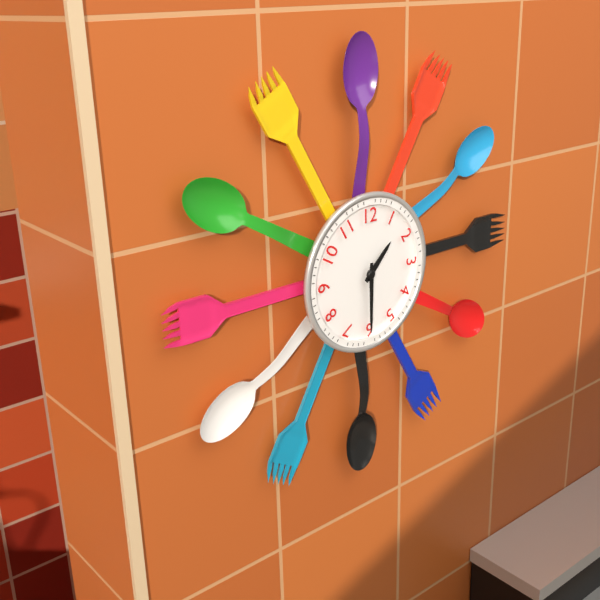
1:30
